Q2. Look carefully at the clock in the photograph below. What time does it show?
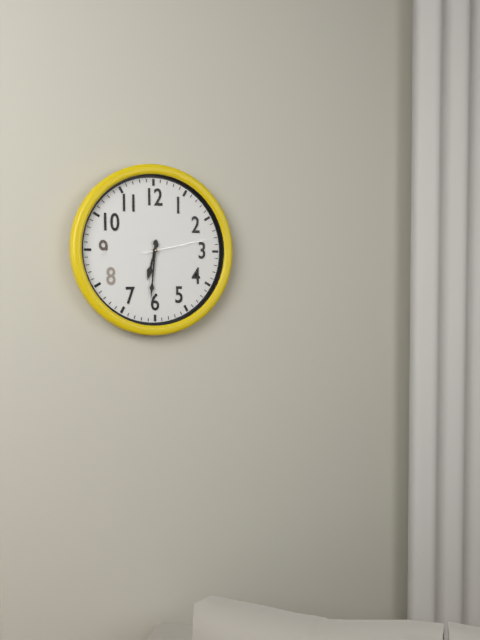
6:31:13
